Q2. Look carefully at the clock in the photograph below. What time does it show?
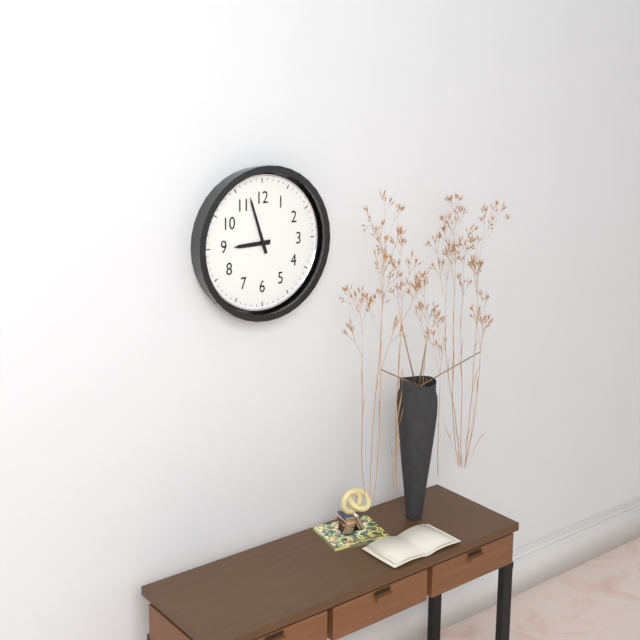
8:57
